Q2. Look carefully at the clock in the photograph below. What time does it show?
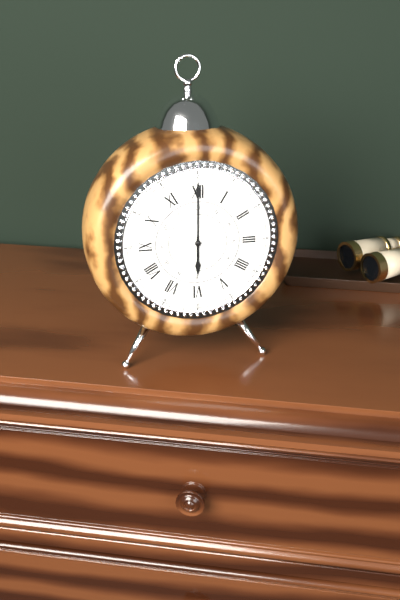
6:00
